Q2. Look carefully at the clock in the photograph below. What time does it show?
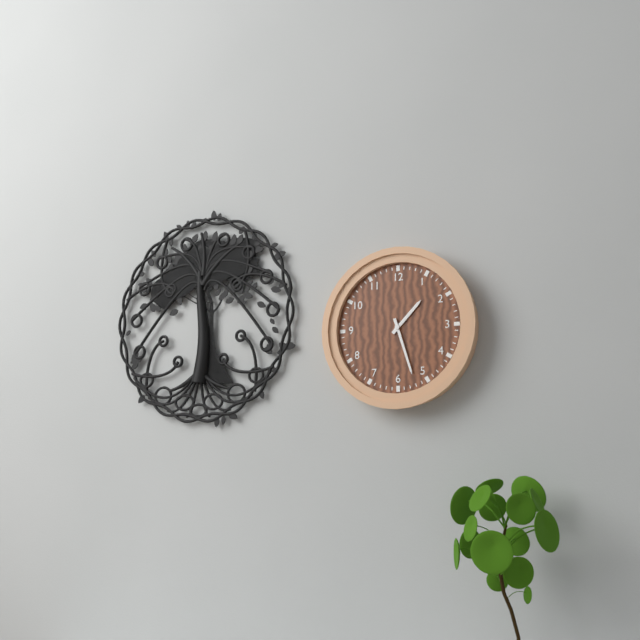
1:27
